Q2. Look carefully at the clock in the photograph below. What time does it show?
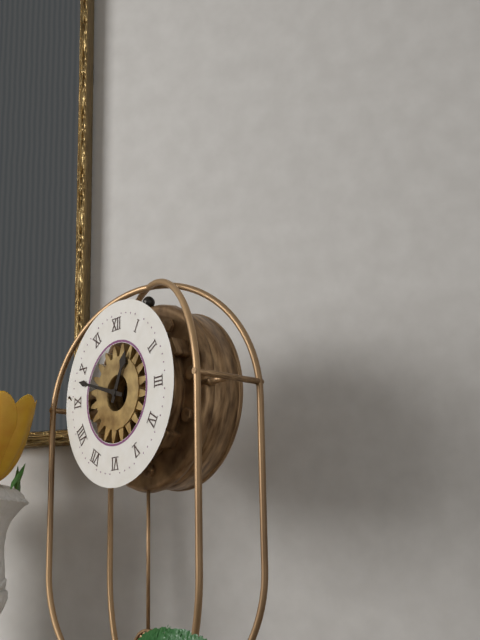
12:48
